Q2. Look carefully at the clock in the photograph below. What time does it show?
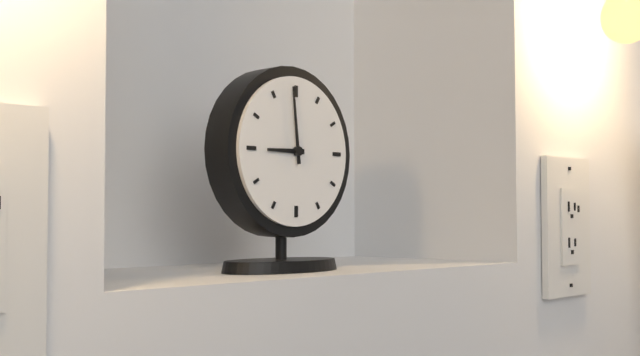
8:59
